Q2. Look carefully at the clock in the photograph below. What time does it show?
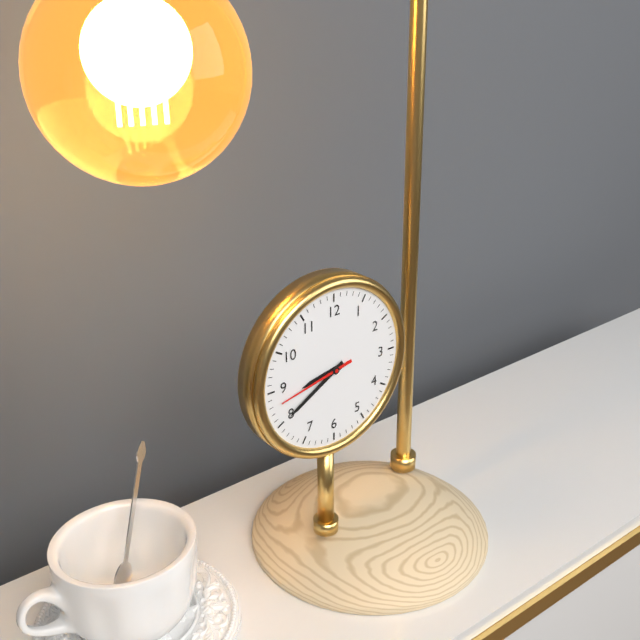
8:40:43
